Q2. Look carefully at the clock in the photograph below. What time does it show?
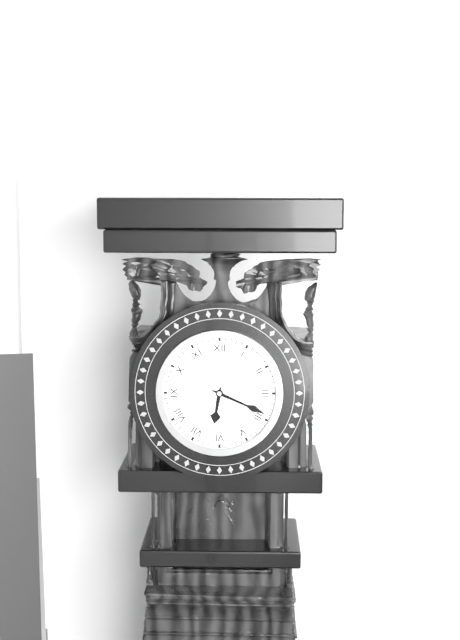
6:19
